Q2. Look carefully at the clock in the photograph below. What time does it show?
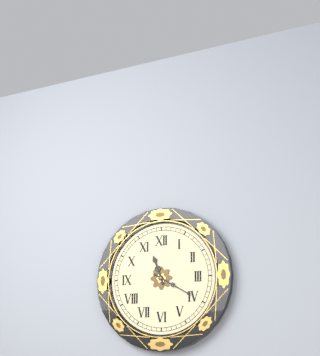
11:20
